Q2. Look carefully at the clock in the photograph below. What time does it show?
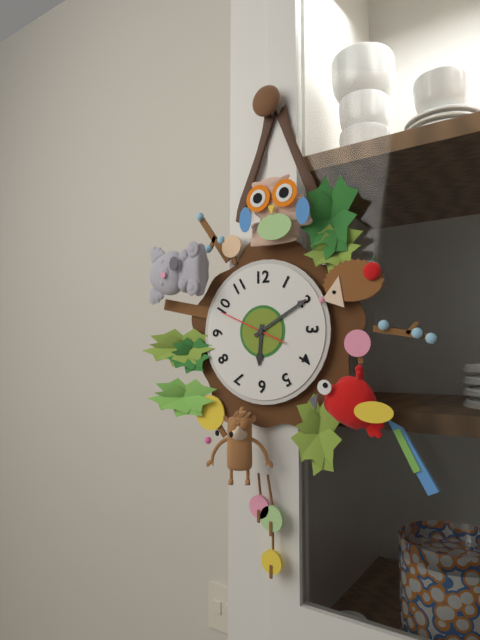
6:10:49
